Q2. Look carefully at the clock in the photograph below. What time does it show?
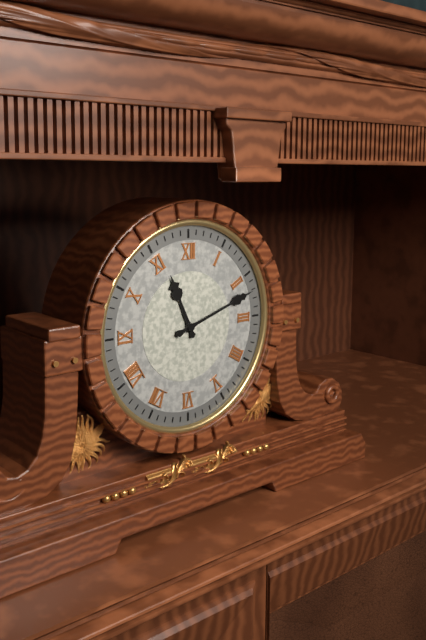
11:12
